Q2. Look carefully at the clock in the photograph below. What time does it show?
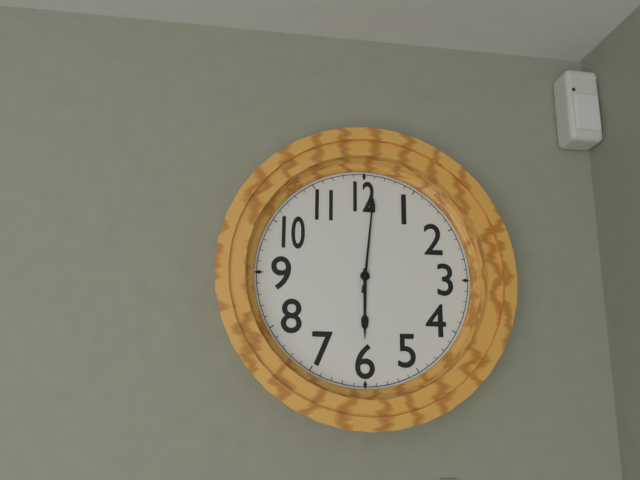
6:01
